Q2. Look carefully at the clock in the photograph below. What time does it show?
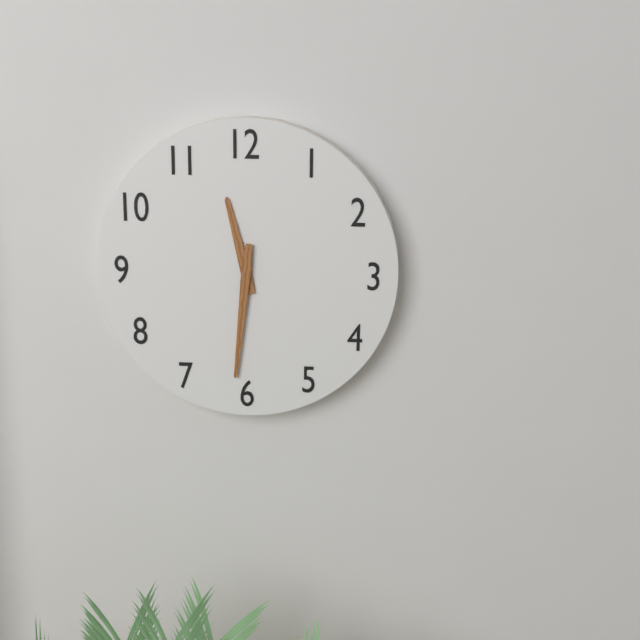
11:31
